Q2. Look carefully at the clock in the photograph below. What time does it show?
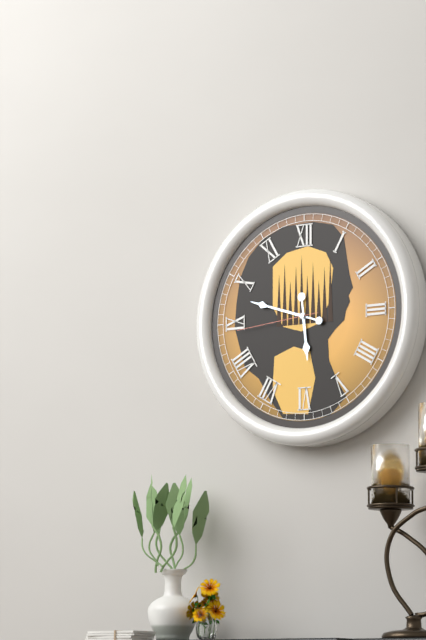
5:48:44
